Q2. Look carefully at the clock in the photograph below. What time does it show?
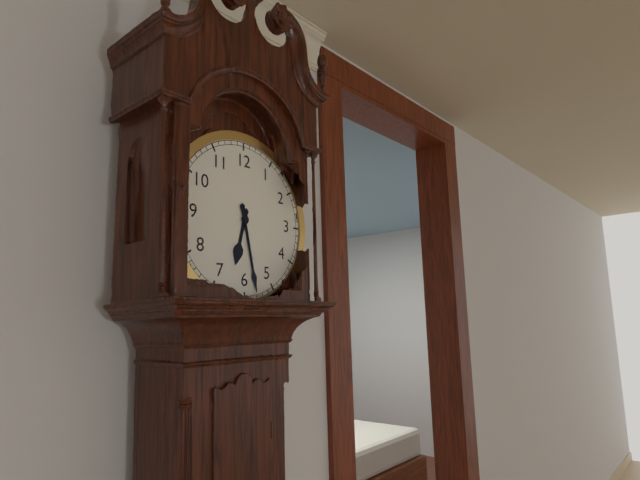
6:28
